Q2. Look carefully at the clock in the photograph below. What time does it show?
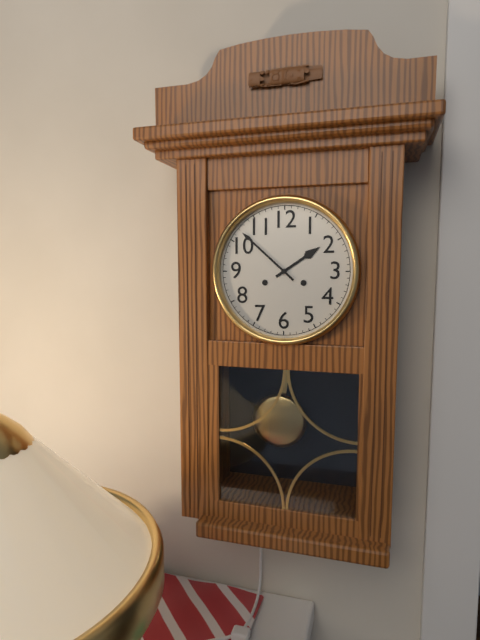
1:52
